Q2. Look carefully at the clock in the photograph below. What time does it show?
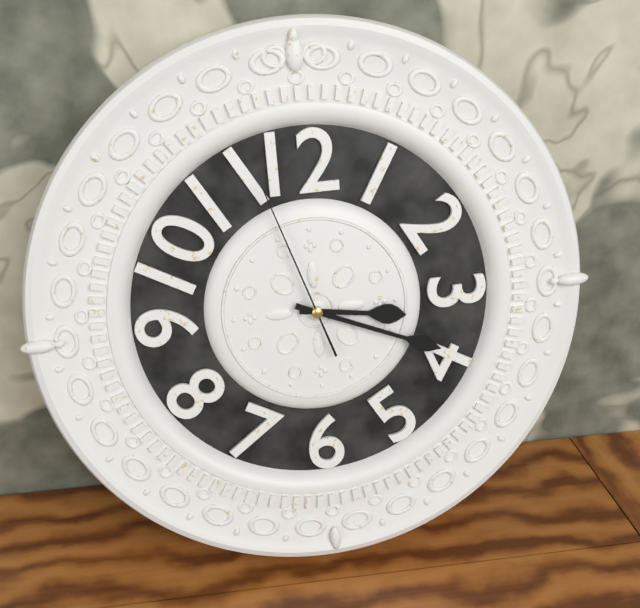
3:19:57
